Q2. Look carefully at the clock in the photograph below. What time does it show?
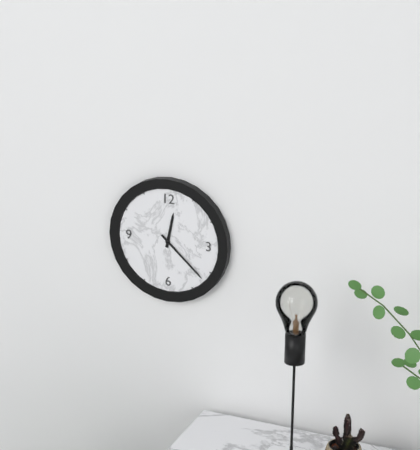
12:22
